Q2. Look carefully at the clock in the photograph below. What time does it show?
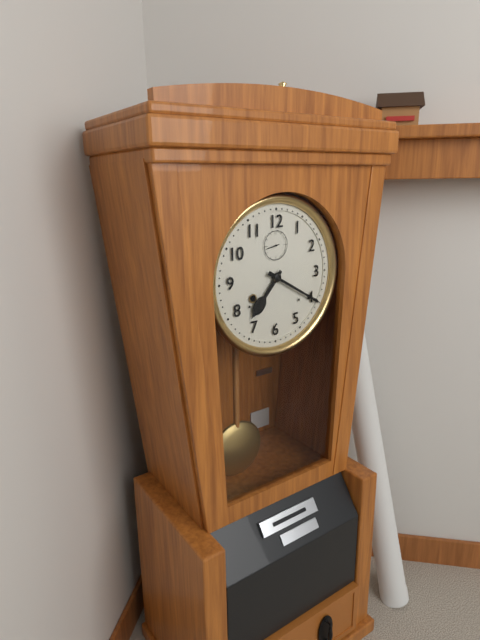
7:20
